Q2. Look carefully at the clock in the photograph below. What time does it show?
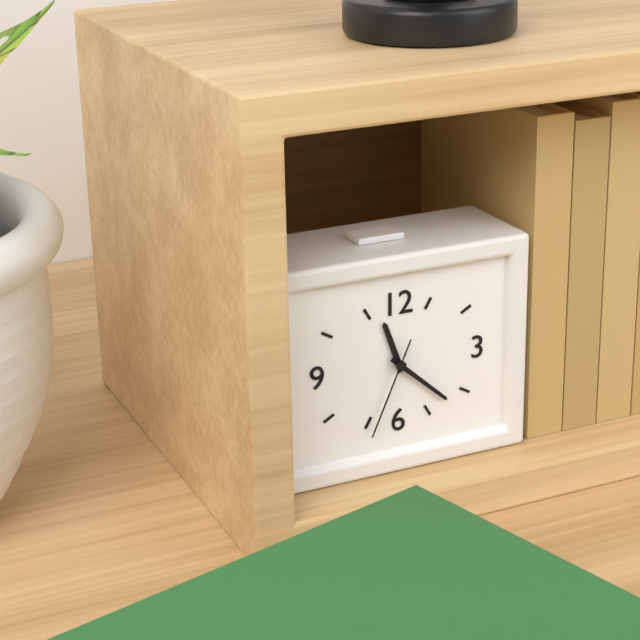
11:22:34
